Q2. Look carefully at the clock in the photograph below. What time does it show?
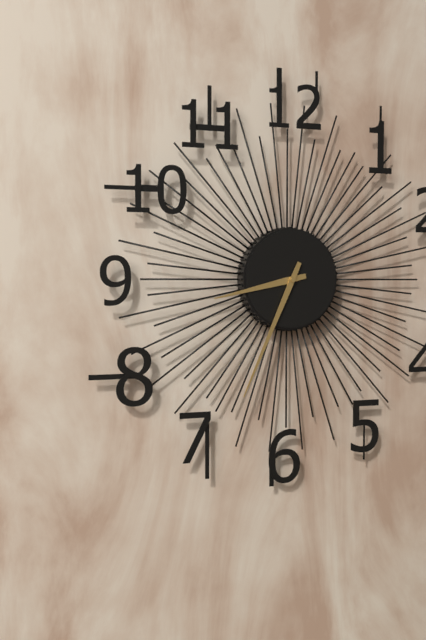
8:34
